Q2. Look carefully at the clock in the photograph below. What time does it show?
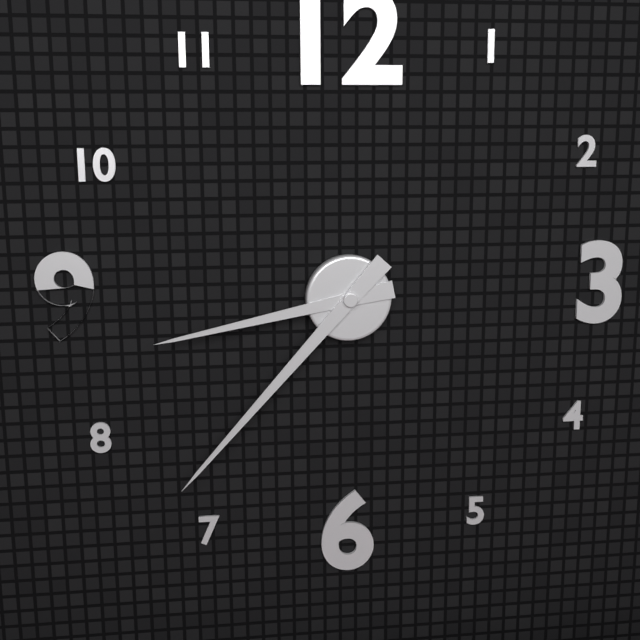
8:37
